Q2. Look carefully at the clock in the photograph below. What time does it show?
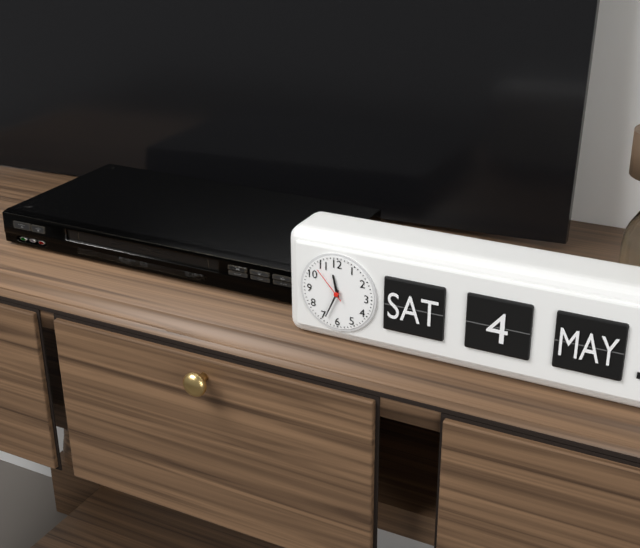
11:34
